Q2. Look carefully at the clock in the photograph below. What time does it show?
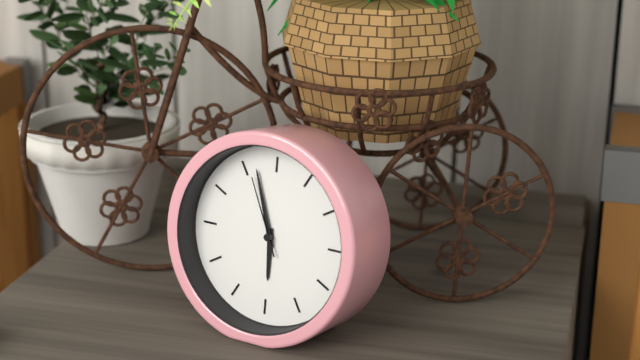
5:57:56
